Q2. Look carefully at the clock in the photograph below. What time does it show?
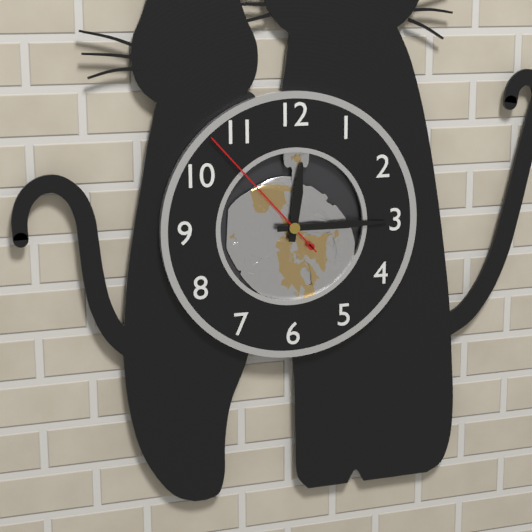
12:15:53
